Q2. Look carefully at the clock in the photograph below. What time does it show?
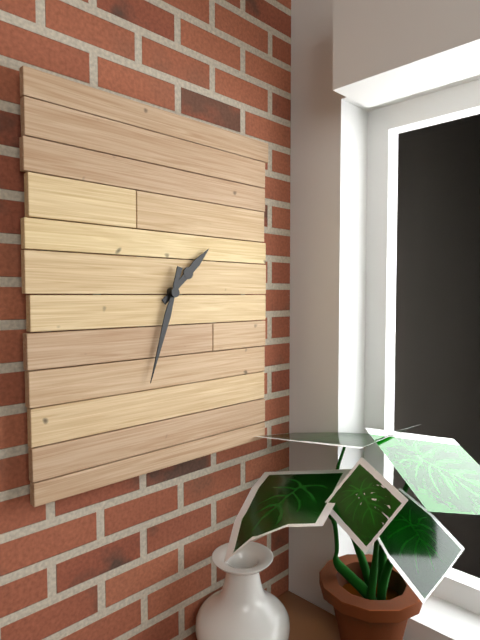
1:33
